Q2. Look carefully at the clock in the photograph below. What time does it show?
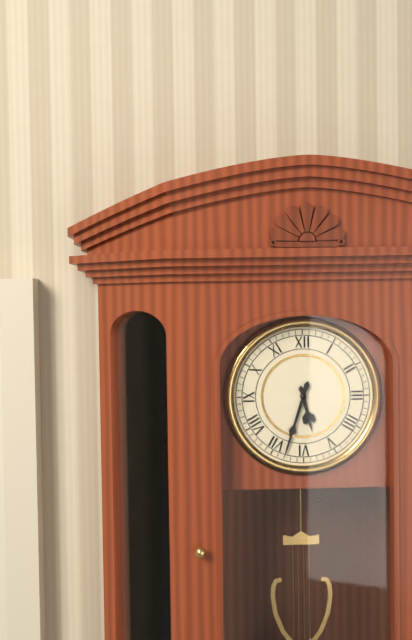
5:33
